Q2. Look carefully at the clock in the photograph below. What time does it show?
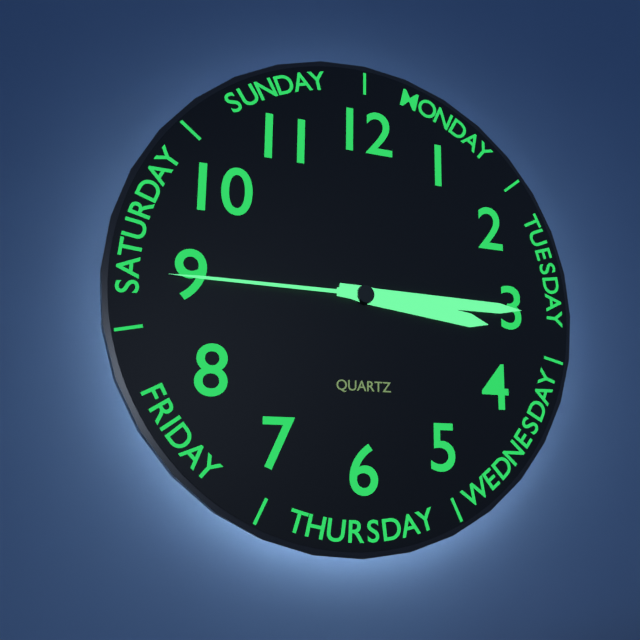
3:15:45
